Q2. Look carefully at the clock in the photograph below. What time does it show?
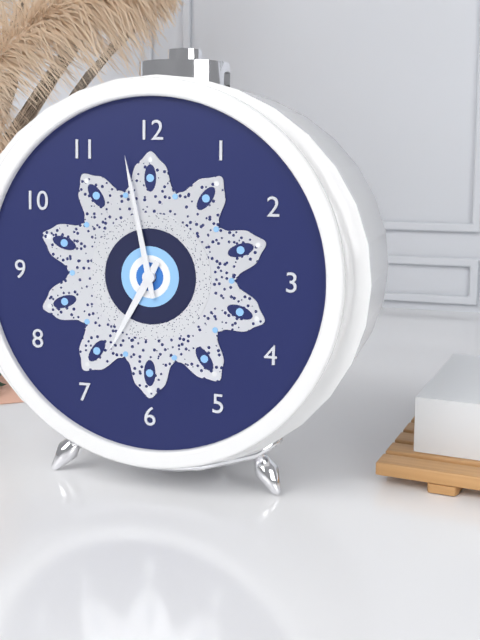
6:58
